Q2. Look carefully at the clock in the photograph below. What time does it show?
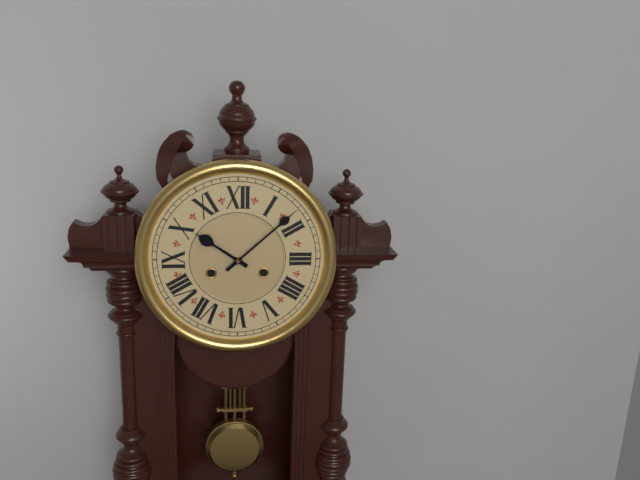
10:08
